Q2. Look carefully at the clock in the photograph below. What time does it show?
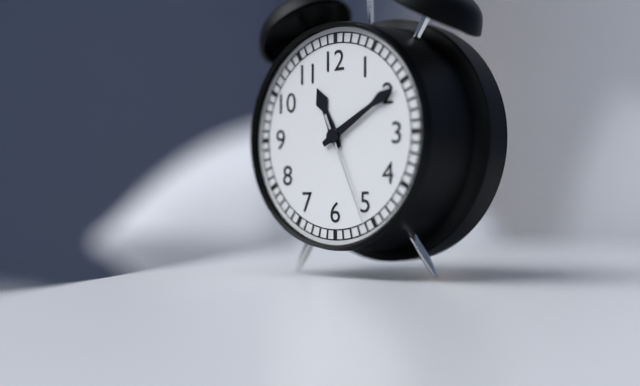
11:10:26
